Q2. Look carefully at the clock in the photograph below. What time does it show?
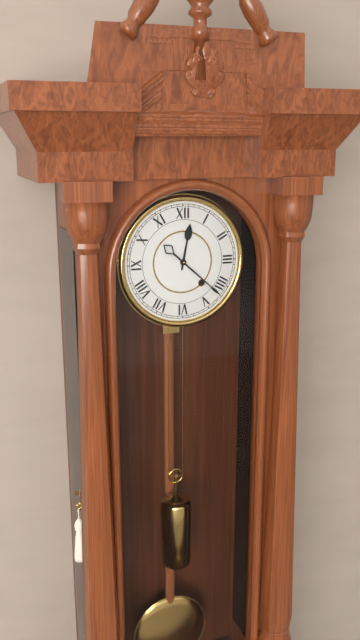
12:22
